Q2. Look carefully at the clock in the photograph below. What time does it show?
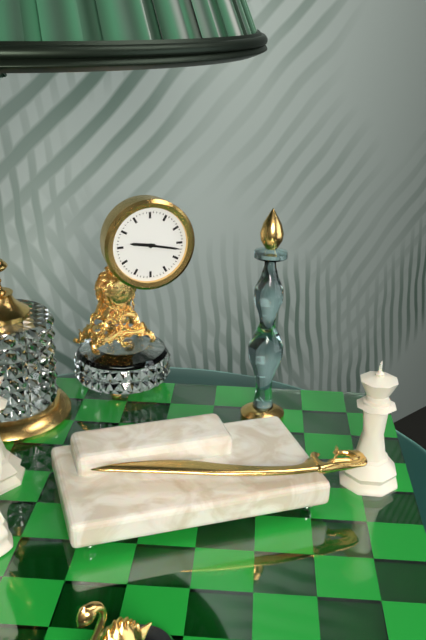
9:17
